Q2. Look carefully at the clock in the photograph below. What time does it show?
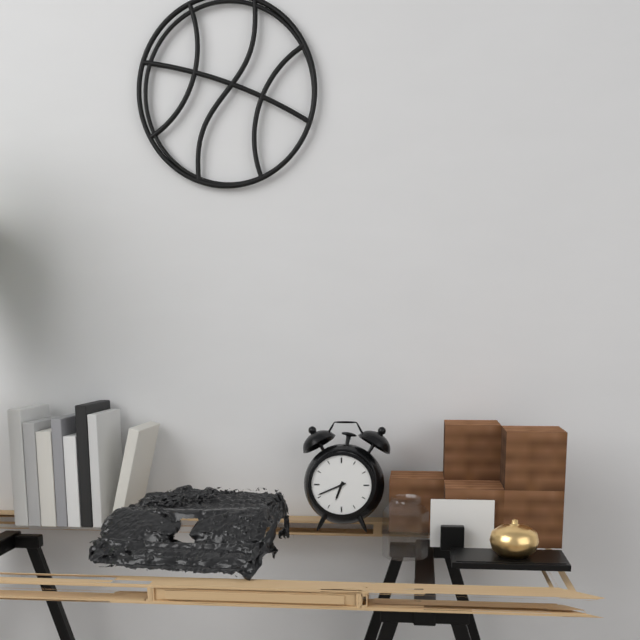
6:41
